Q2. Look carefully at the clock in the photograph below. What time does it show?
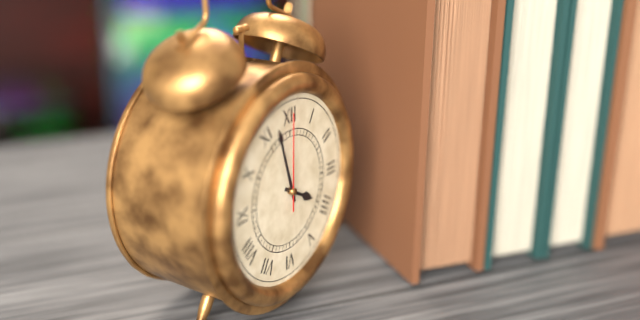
3:57:00
